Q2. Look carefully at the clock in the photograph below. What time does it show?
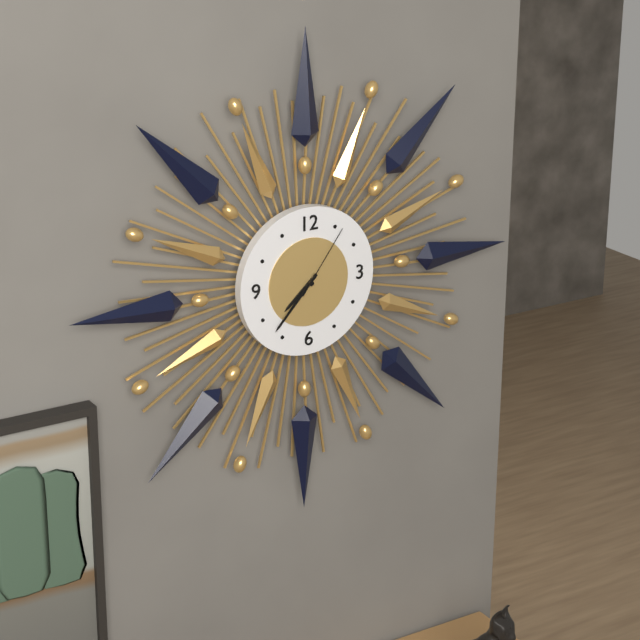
7:37:06
